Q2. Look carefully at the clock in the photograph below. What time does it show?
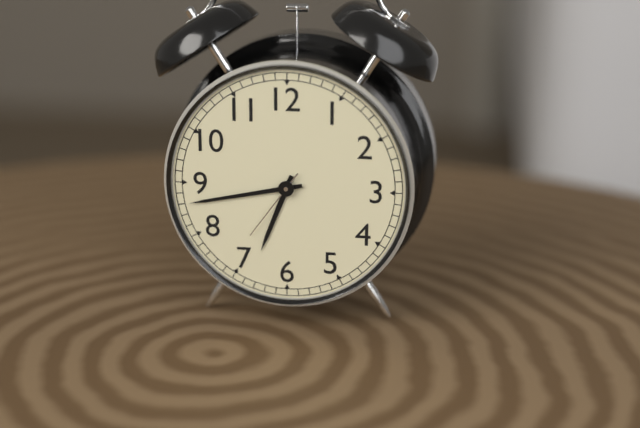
6:43:36
